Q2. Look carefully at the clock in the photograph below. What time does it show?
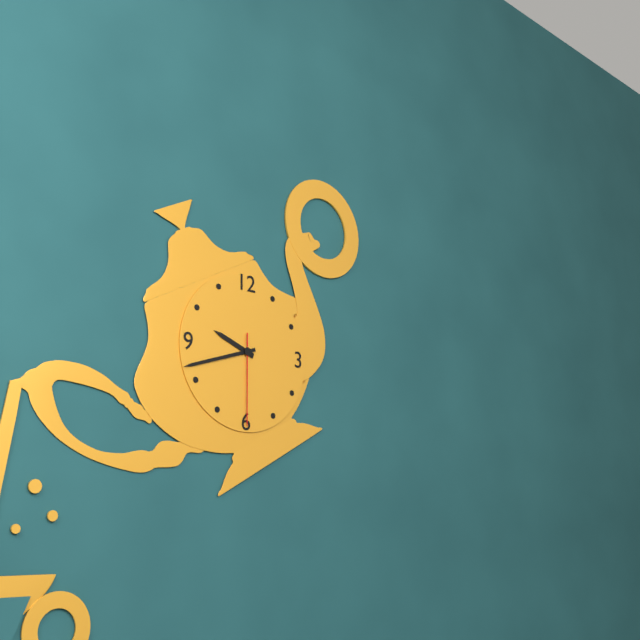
9:42:30
